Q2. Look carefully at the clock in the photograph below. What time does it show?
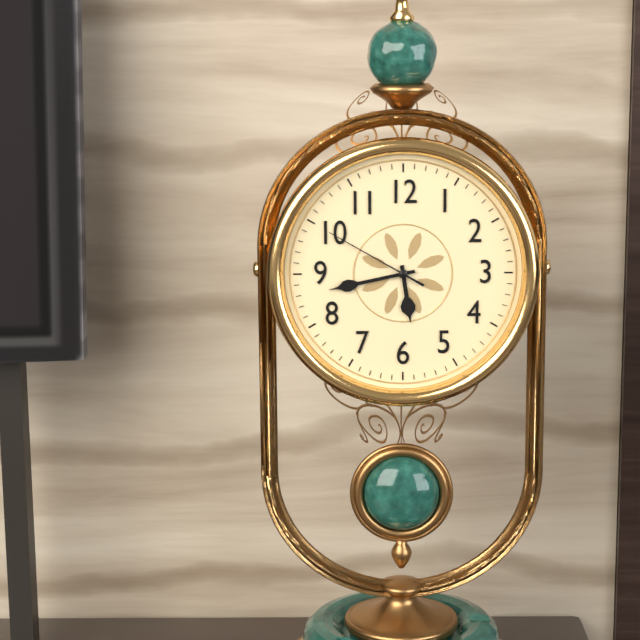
5:43:50
